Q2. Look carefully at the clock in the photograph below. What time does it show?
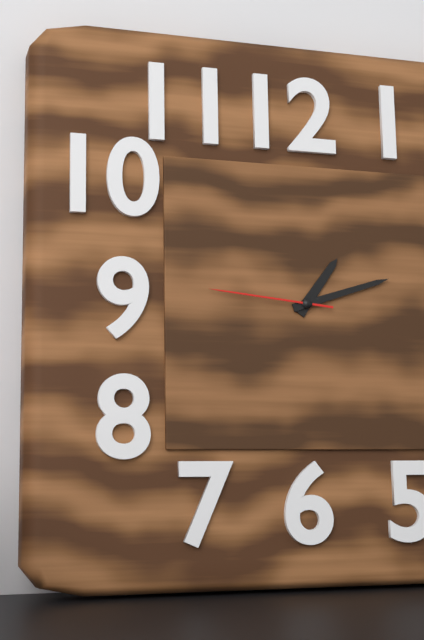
1:12:46
